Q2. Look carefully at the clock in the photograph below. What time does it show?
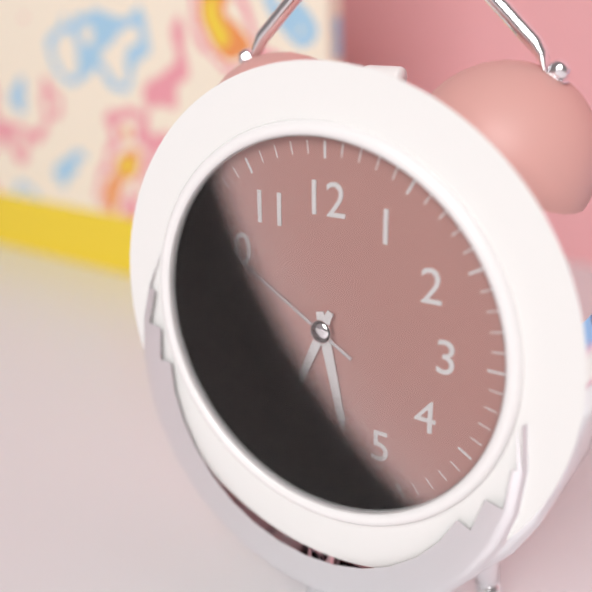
5:34:50
